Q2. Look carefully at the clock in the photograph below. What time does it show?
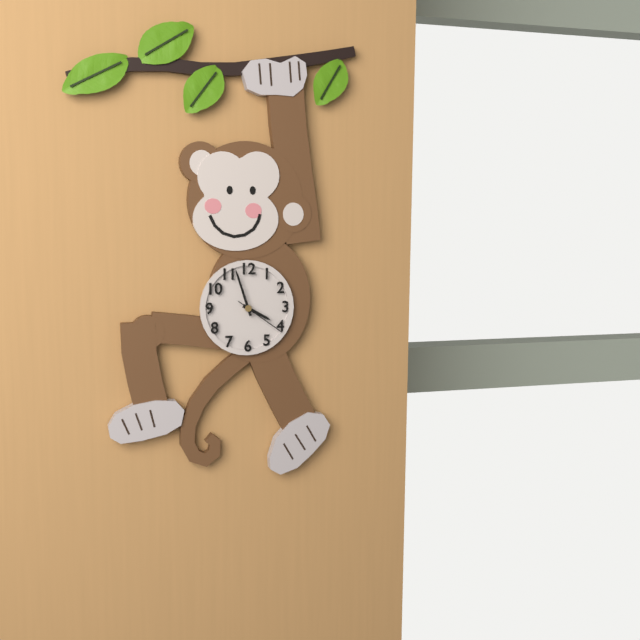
3:57:21
